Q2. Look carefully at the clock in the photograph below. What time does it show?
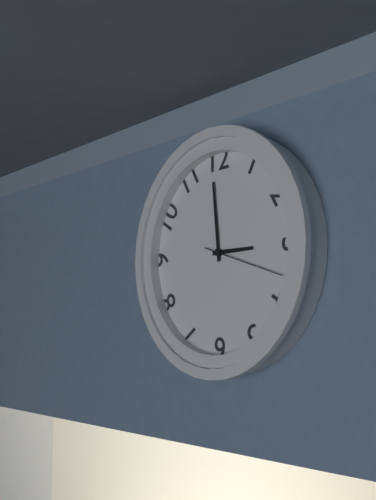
2:59:18
